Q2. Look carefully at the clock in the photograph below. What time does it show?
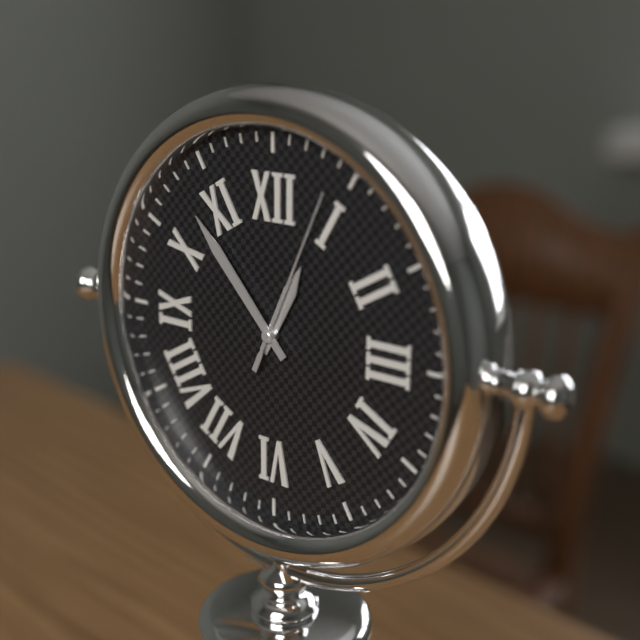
12:53:04
